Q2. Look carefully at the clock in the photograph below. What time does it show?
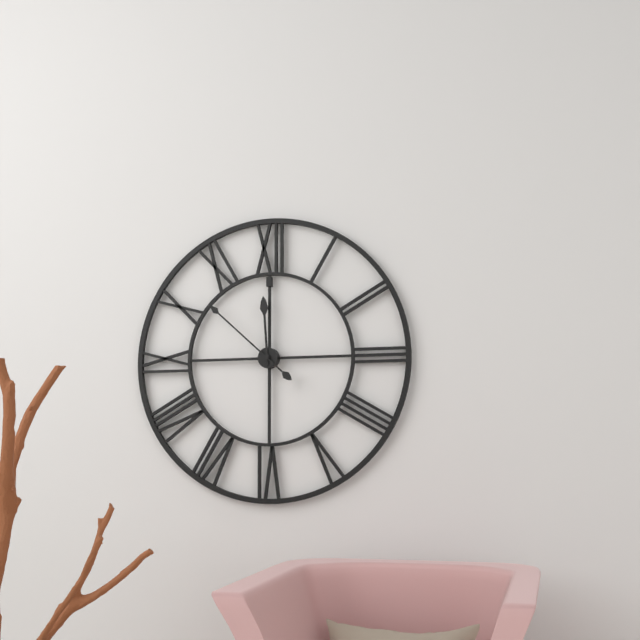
11:52
